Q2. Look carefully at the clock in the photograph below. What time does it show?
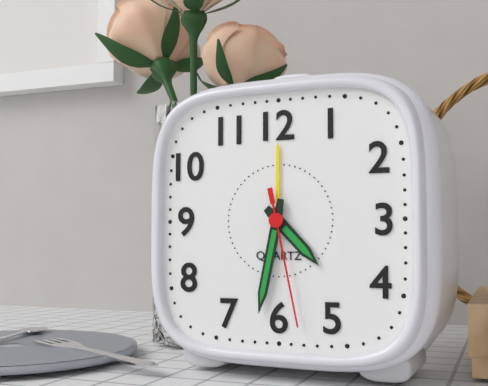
4:32:28
